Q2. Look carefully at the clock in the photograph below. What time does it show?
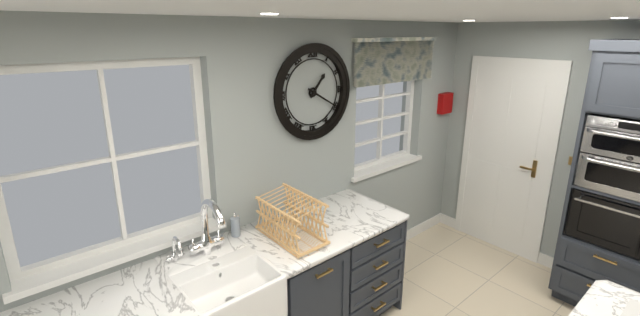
1:20
